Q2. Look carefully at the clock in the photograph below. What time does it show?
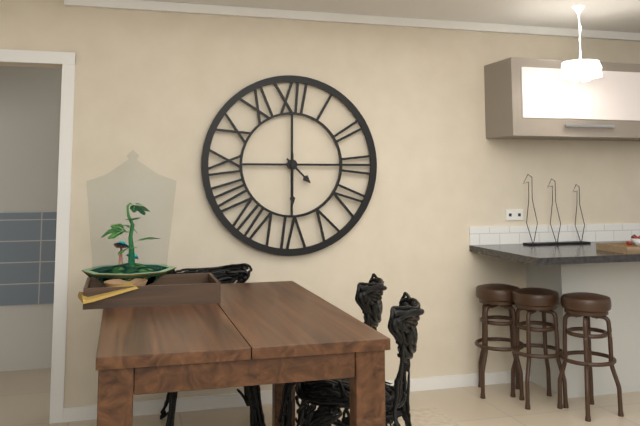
4:30
